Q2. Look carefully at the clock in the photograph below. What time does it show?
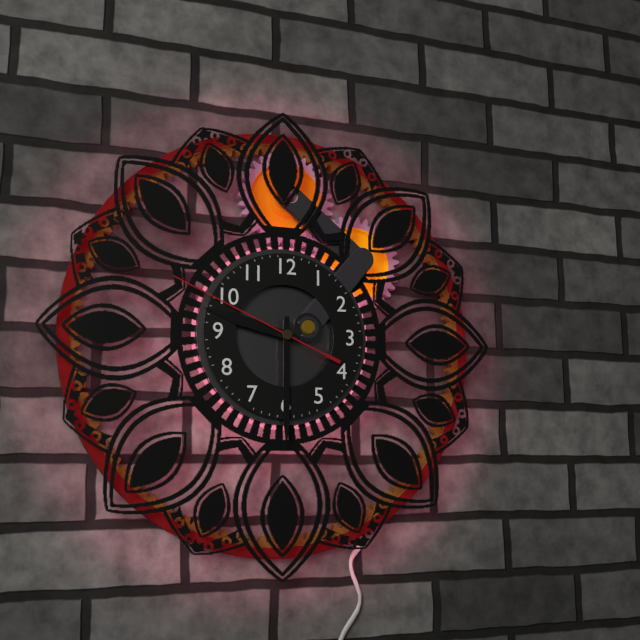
9:30:49
